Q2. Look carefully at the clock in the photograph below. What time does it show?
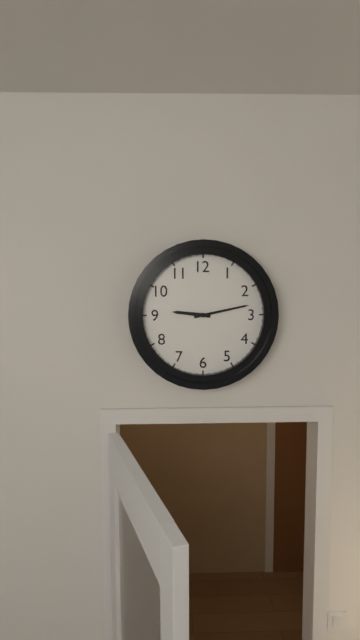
9:13
